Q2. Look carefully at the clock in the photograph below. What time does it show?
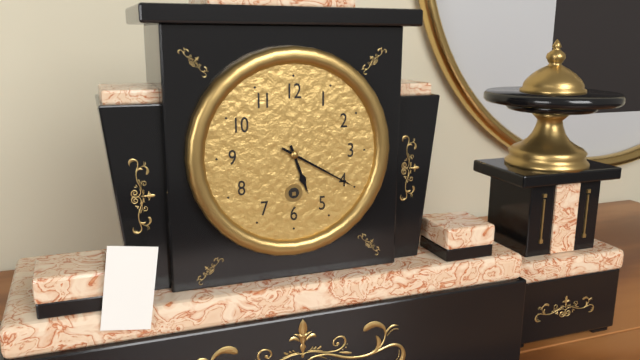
5:20
